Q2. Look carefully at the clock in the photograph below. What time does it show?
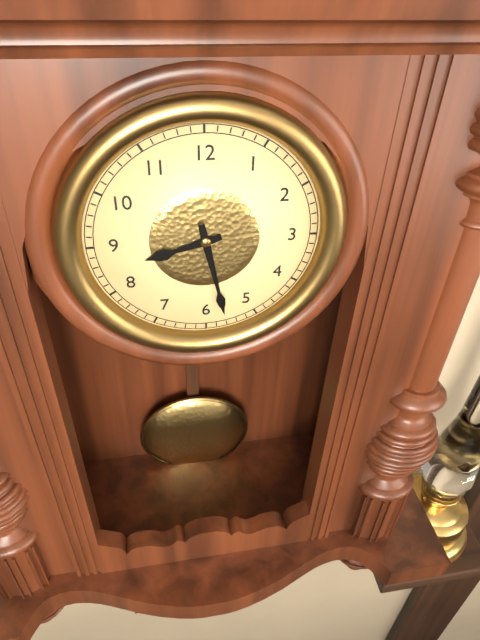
8:28
